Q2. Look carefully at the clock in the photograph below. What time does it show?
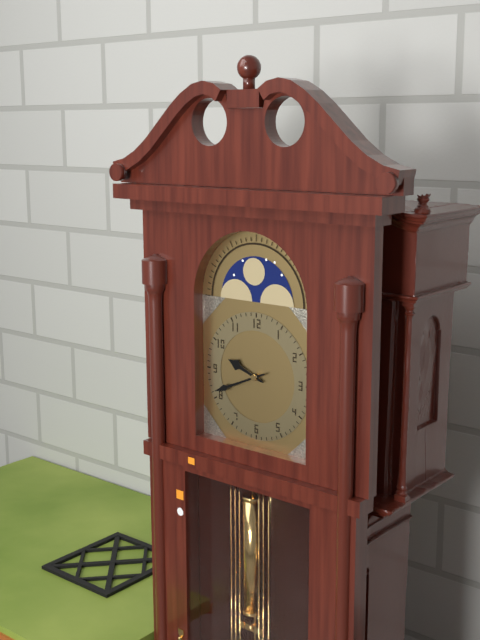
9:41
